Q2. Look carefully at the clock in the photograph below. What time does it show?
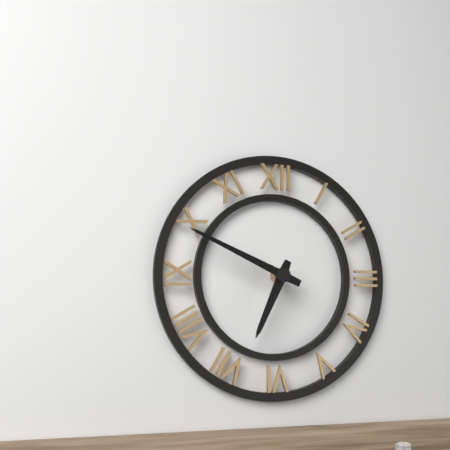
6:49
